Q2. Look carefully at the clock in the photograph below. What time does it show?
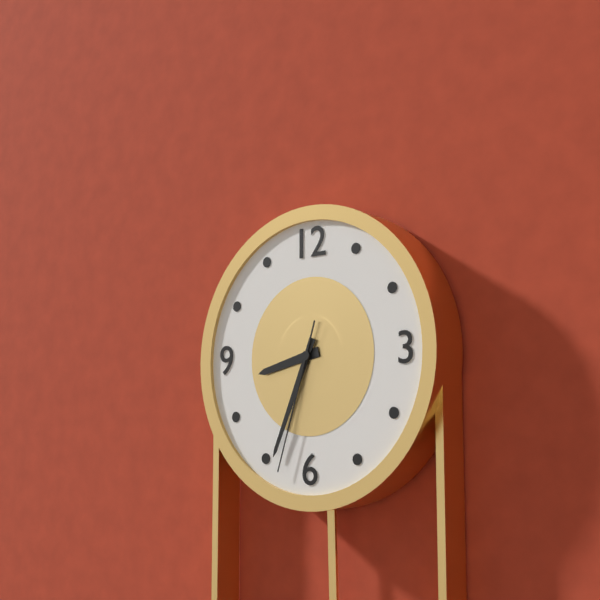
8:34:33
